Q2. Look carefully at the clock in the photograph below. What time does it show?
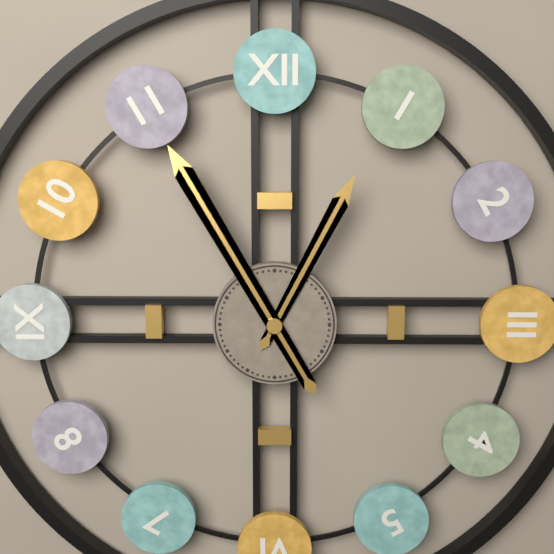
12:55
